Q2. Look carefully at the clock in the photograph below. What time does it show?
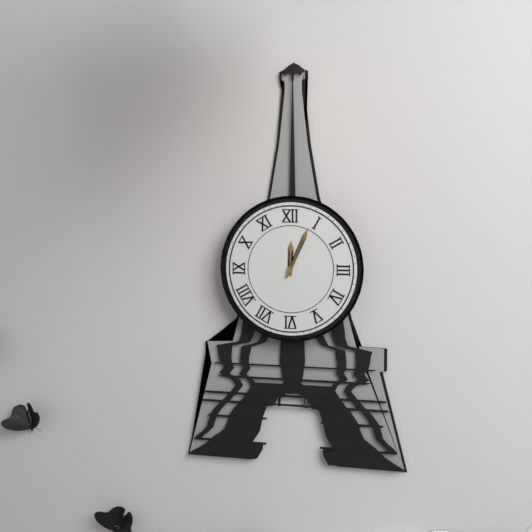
12:04
